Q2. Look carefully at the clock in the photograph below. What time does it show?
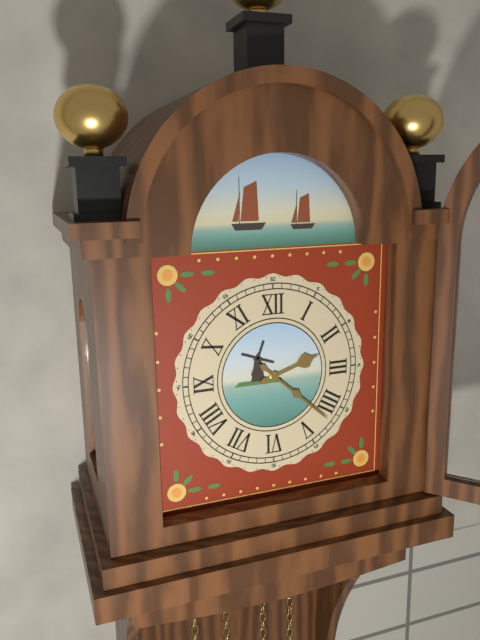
2:22
